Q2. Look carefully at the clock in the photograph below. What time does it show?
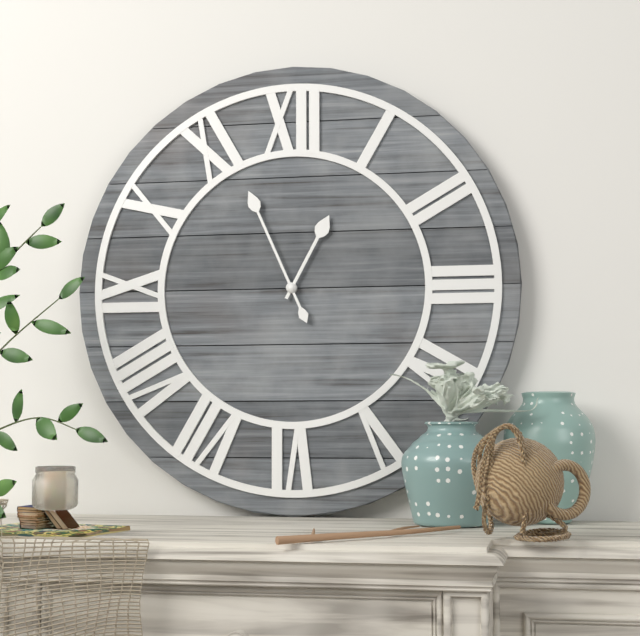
12:56
